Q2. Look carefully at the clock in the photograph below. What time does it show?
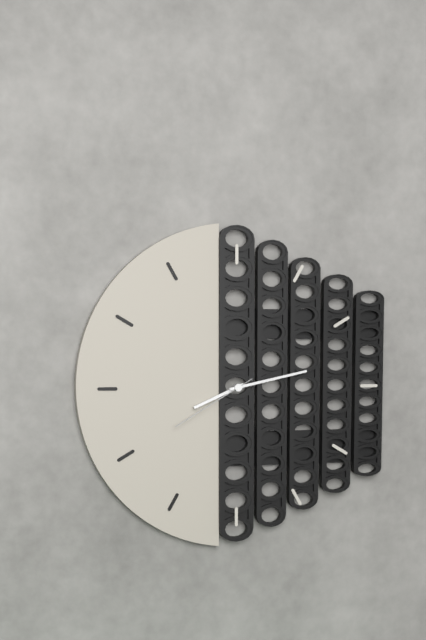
8:13:40
